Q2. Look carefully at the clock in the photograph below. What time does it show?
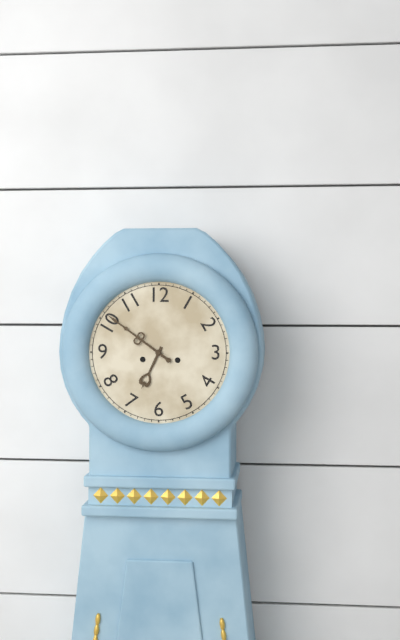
6:51
